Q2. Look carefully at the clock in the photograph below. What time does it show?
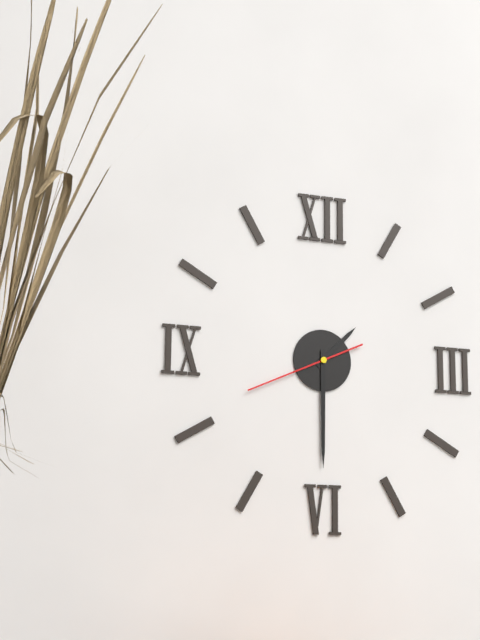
1:30:41
